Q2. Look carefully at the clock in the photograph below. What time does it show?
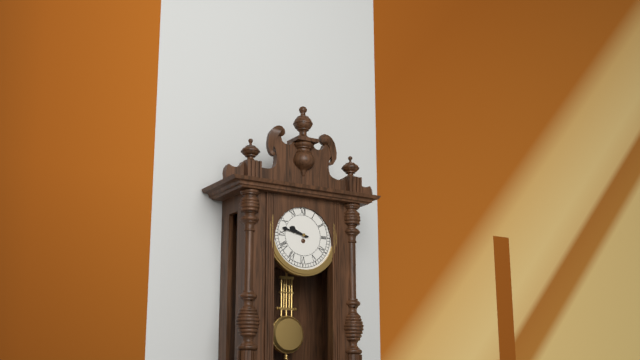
9:47
